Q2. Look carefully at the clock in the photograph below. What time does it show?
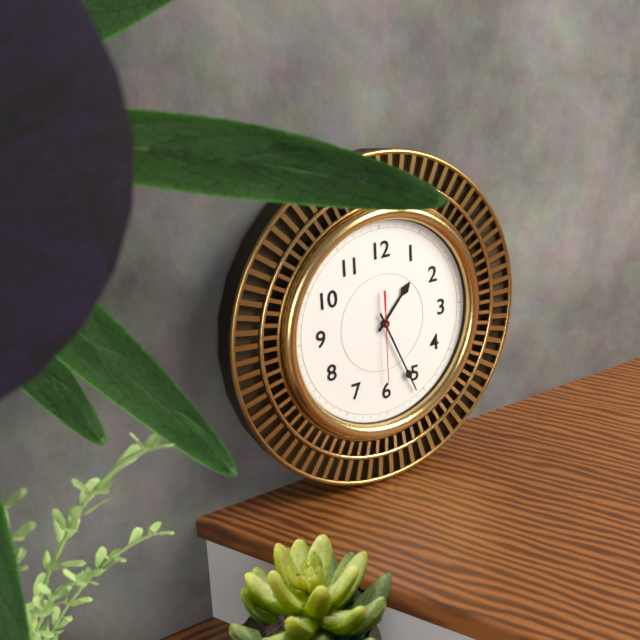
1:26:30
